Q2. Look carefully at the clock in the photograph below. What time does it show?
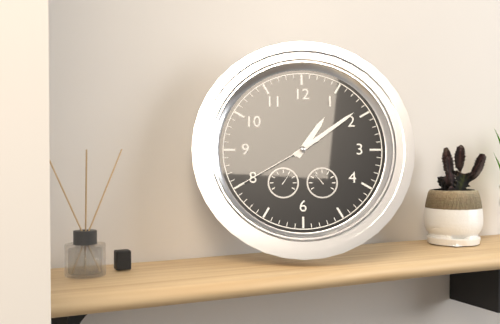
1:09:40
